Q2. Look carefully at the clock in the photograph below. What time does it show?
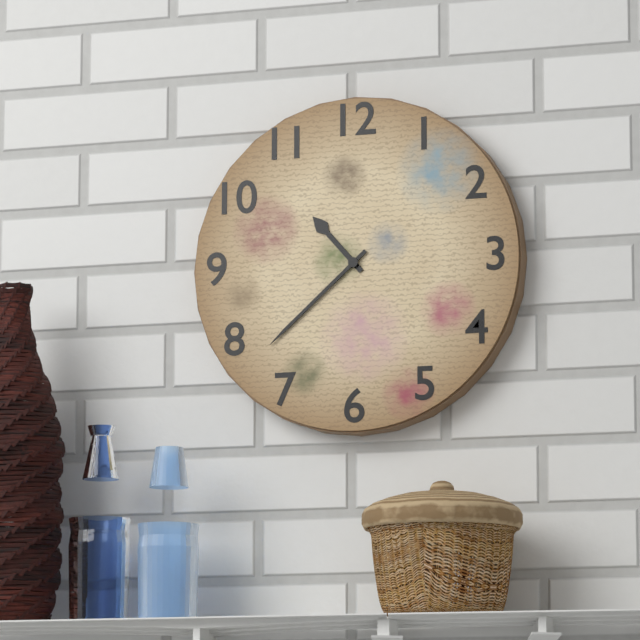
10:38
